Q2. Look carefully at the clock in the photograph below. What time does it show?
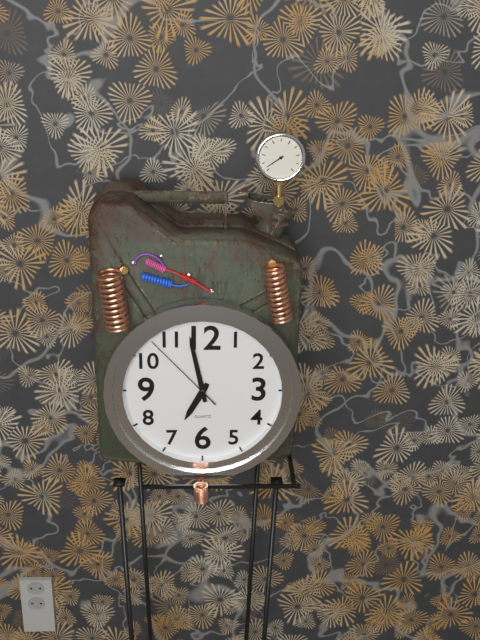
6:58:53
